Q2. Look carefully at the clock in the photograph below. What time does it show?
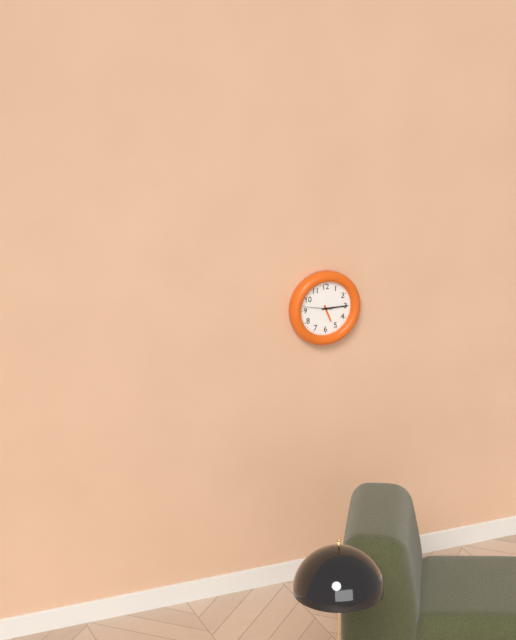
5:15
